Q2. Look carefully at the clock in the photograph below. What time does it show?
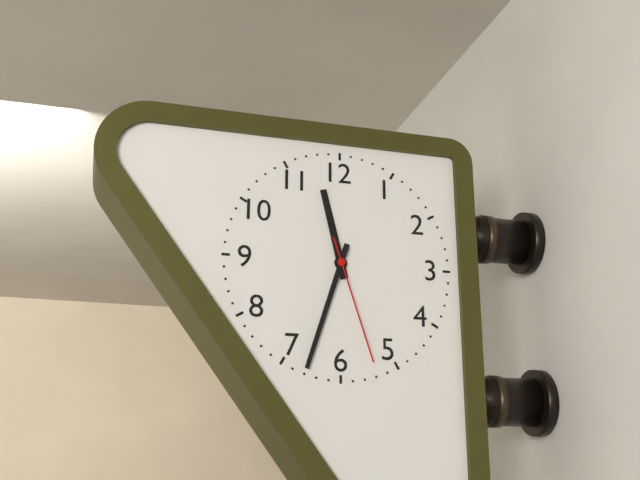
11:33:27
